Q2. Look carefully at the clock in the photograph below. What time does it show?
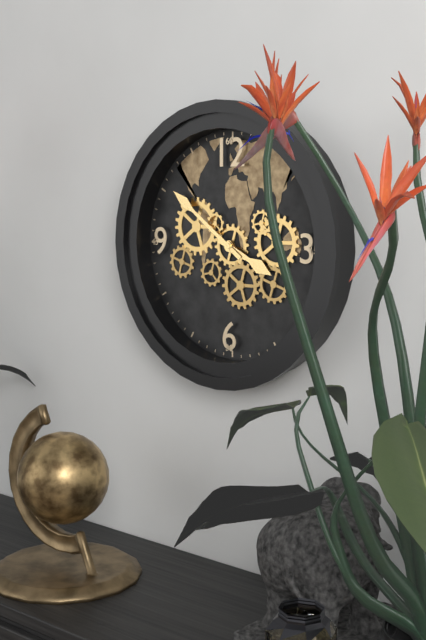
3:51
